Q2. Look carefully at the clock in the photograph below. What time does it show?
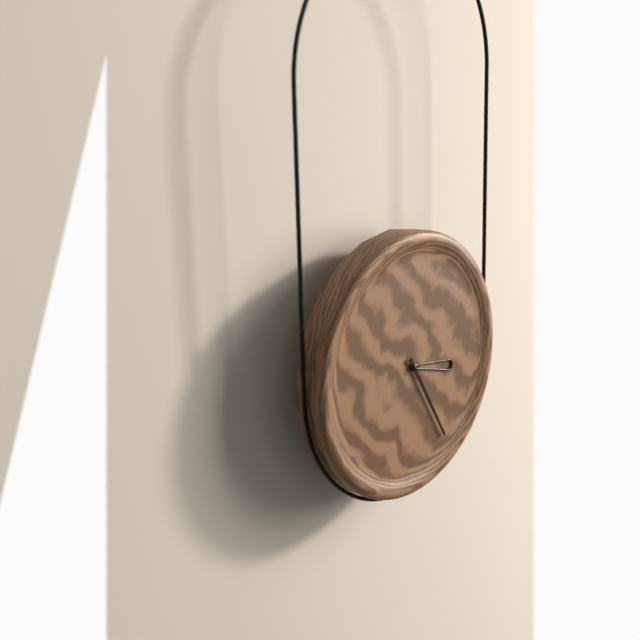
3:25
